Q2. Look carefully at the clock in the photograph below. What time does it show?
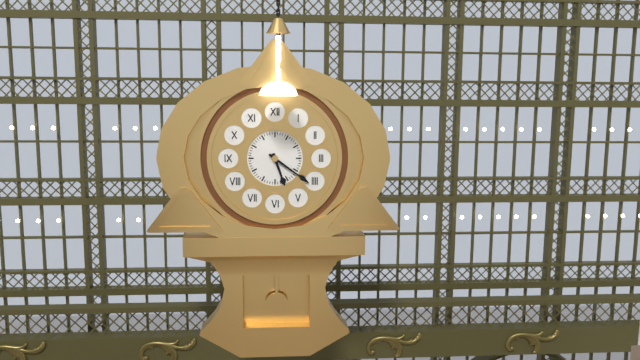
5:21
